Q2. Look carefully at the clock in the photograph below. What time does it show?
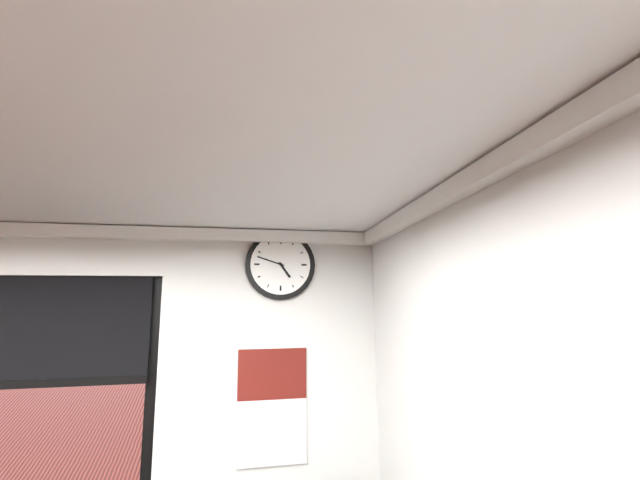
4:48
